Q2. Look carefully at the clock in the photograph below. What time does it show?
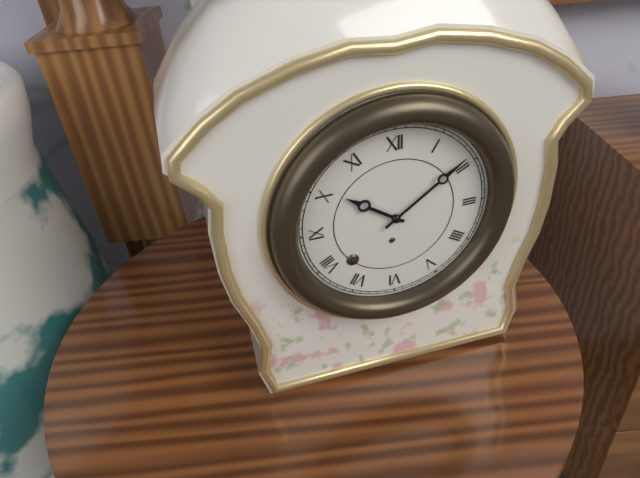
10:09
